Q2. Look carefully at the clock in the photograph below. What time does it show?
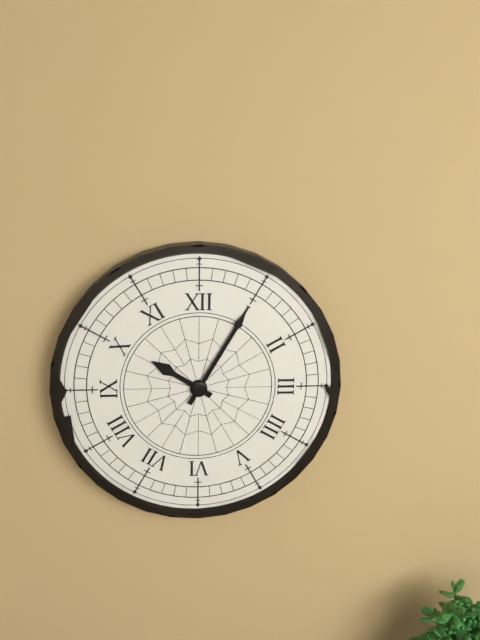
10:05
